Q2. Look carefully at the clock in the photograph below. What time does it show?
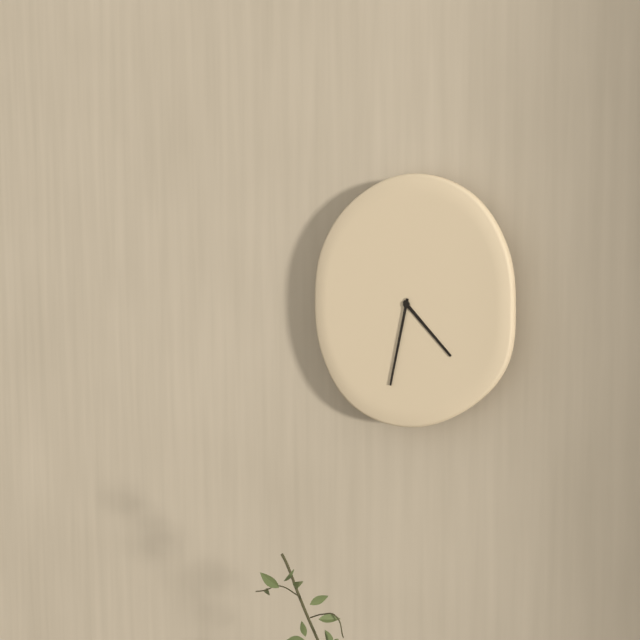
4:32
